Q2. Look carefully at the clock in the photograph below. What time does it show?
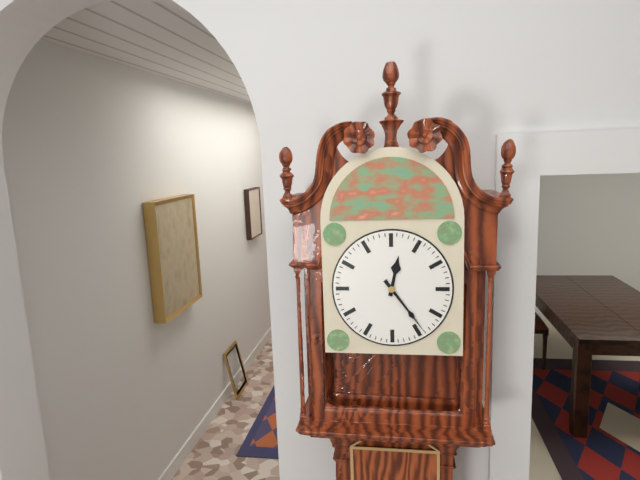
12:24
